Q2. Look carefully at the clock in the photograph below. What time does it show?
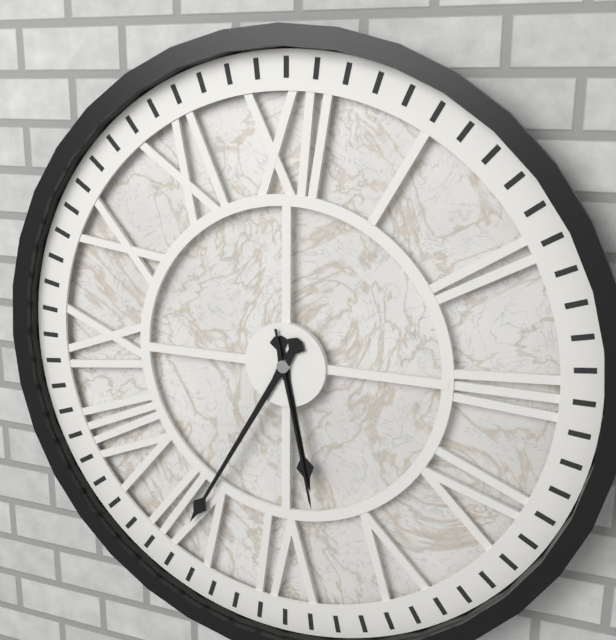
5:35:28
